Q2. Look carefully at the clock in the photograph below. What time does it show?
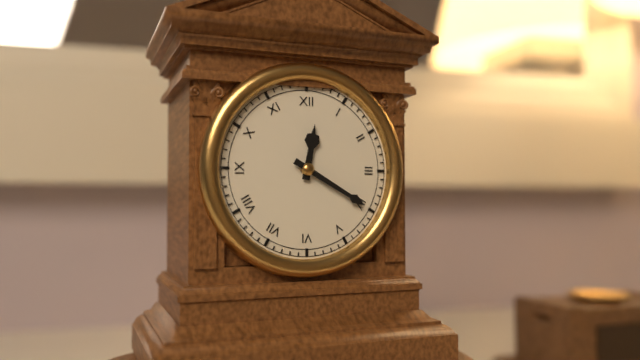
12:20
